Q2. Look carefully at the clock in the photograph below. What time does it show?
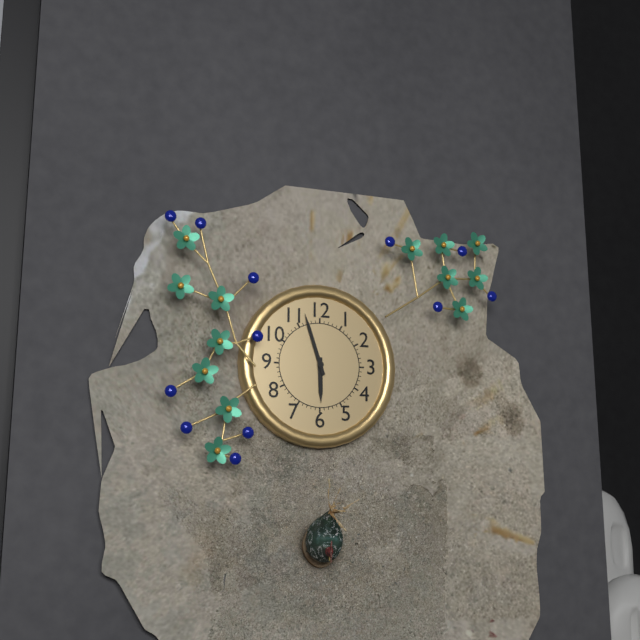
5:57
